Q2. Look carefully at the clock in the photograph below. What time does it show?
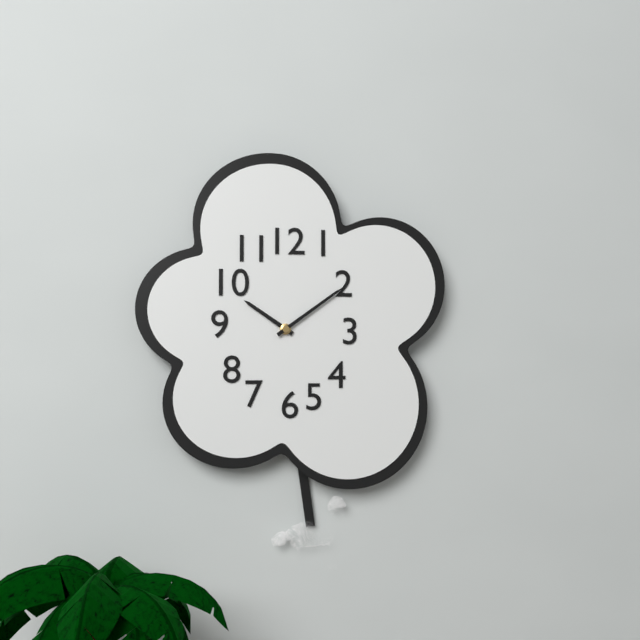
10:09
